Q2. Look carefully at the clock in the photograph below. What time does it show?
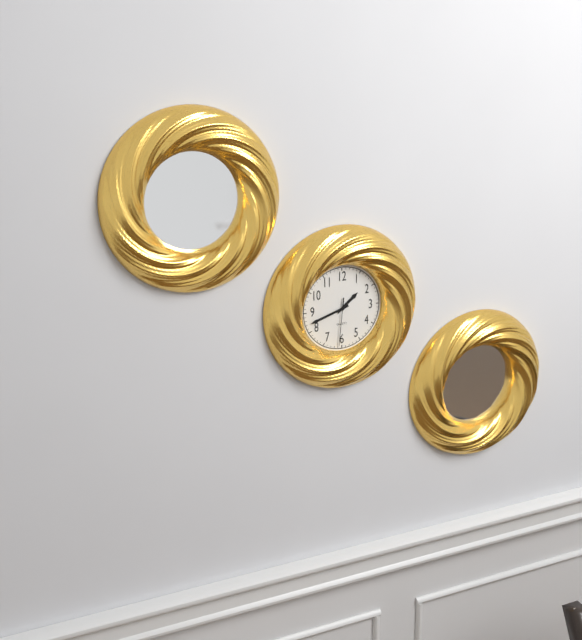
1:42
